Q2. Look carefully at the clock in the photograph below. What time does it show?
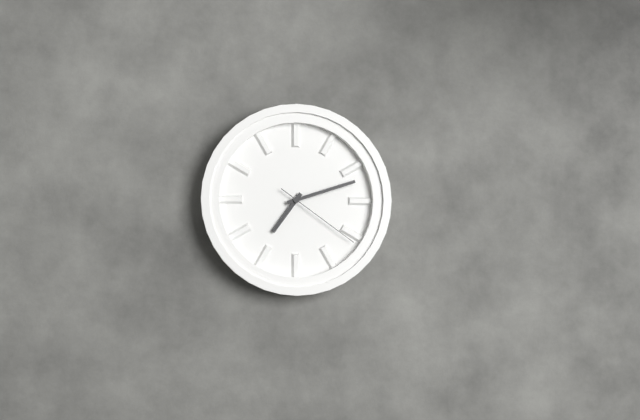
7:12:21
